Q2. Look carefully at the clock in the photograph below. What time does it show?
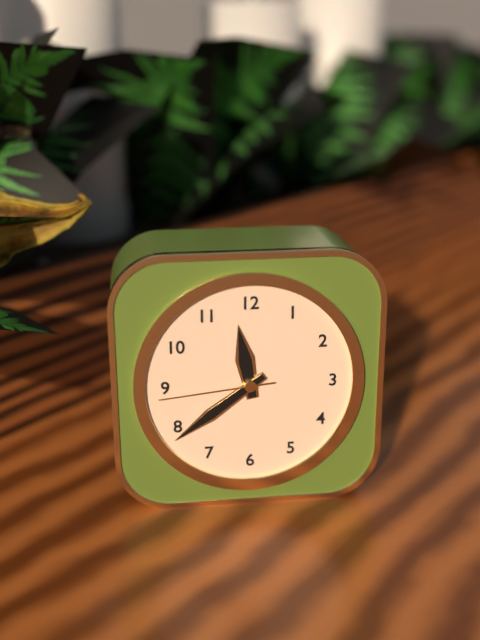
11:39:44
